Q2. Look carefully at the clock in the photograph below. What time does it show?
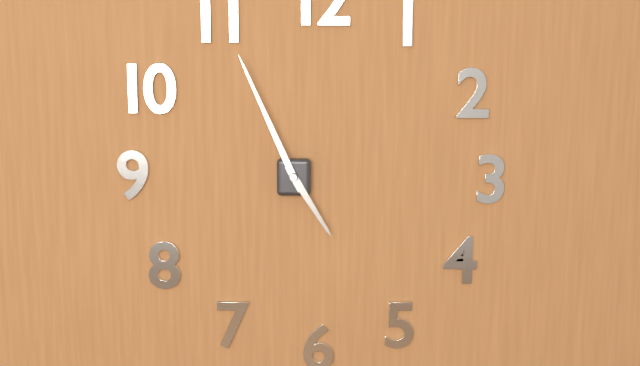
4:56
